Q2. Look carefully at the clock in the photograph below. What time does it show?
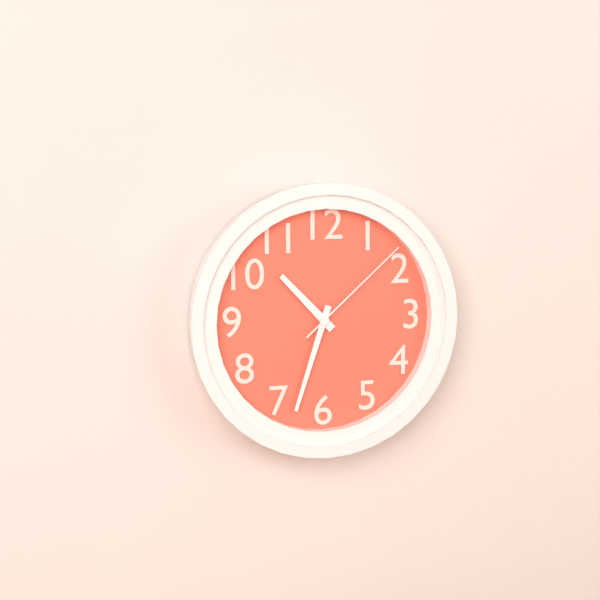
10:33:08
